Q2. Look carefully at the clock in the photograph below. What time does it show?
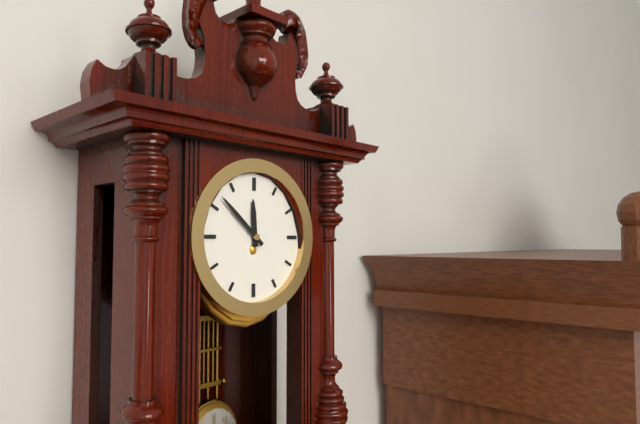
11:52
